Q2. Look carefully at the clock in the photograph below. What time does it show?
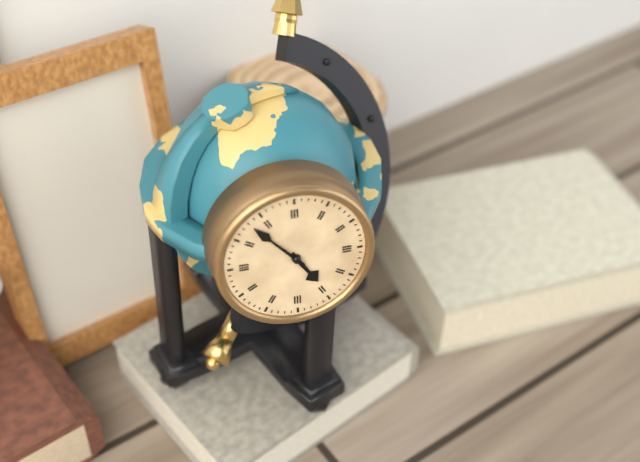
4:53
